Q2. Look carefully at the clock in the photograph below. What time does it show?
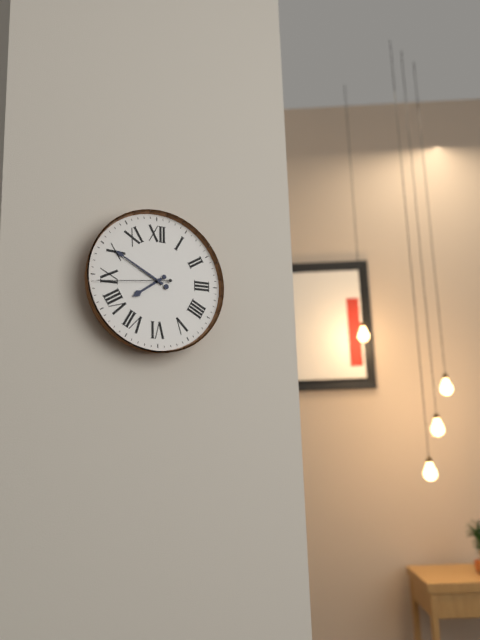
7:50:44
